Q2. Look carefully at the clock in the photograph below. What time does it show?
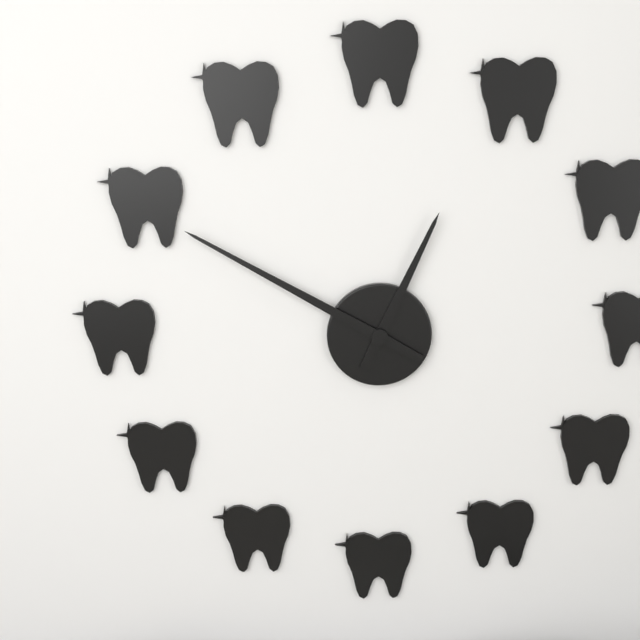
12:50
